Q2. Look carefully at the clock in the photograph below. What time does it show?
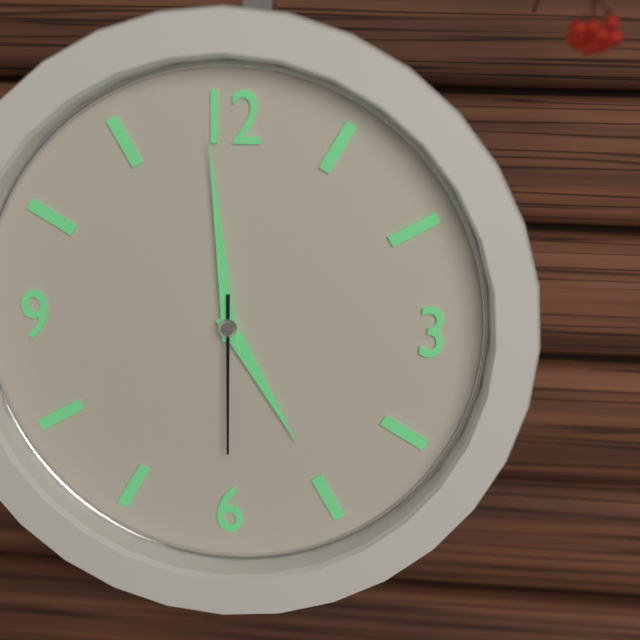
4:59:30
